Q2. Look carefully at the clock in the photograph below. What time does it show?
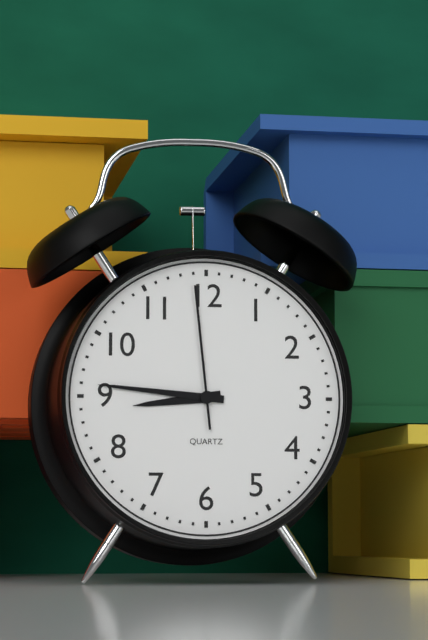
8:46:59
